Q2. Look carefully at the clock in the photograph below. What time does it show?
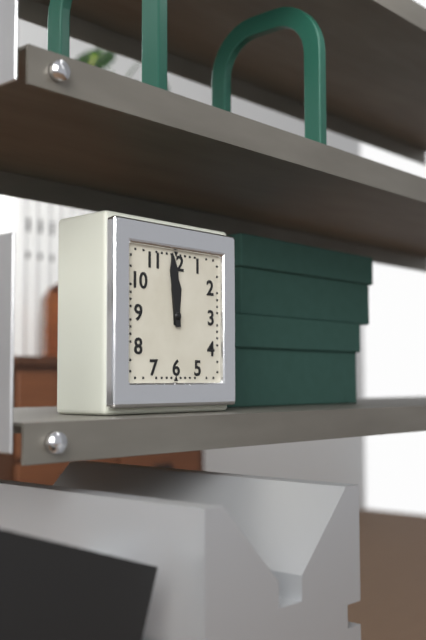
11:59
